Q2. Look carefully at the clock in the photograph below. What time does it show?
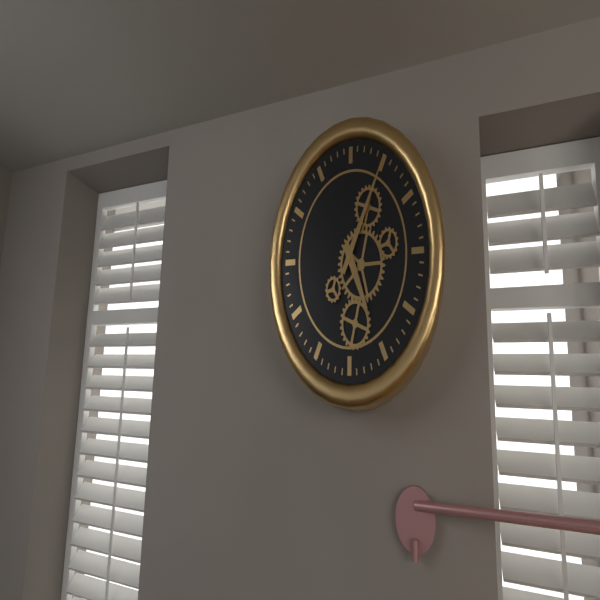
5:05
